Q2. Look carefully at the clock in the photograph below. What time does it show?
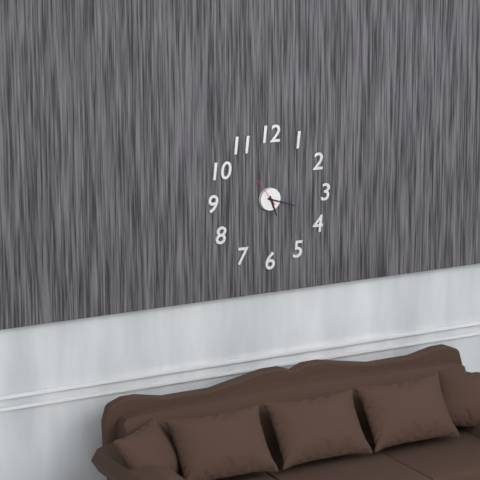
5:18
